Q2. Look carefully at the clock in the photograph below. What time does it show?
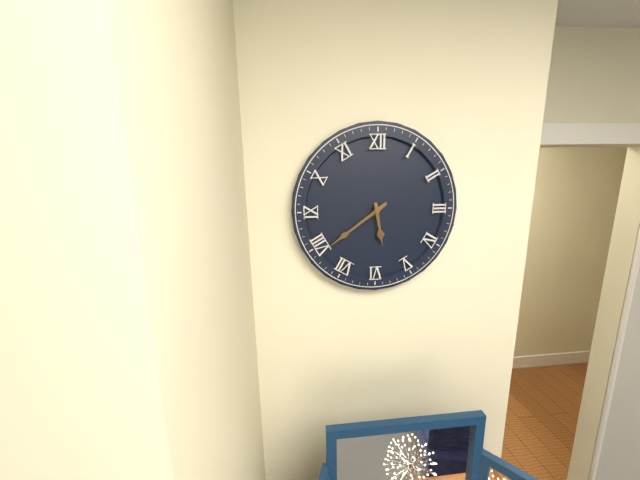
5:39
